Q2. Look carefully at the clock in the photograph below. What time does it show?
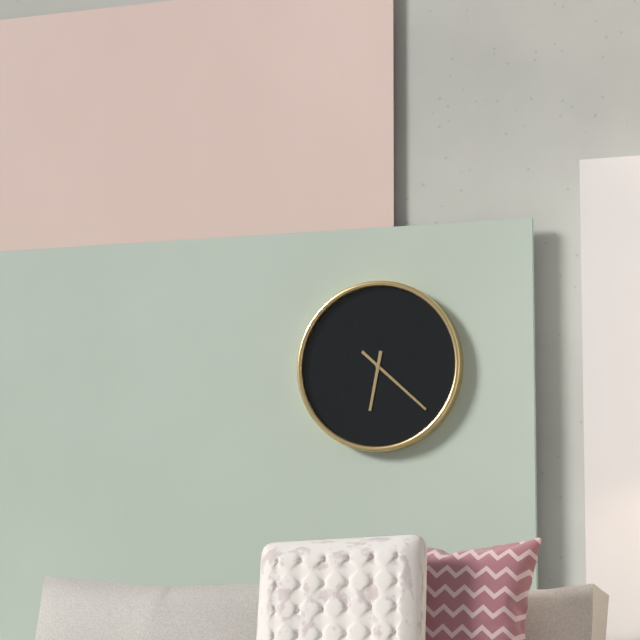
6:22
